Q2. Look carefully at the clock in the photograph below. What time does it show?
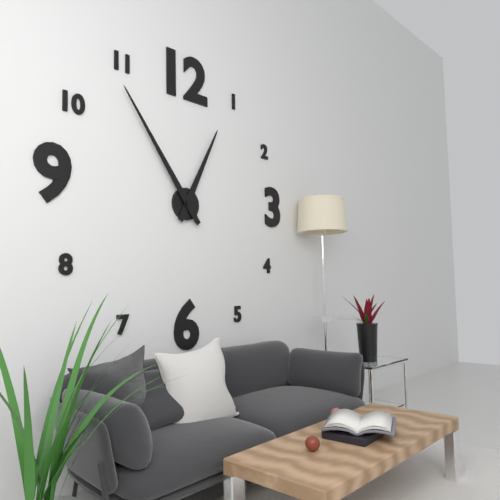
12:54
